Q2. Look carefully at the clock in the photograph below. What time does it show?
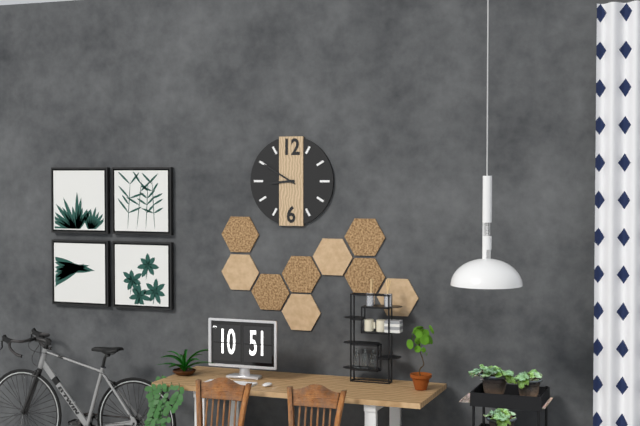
8:50
